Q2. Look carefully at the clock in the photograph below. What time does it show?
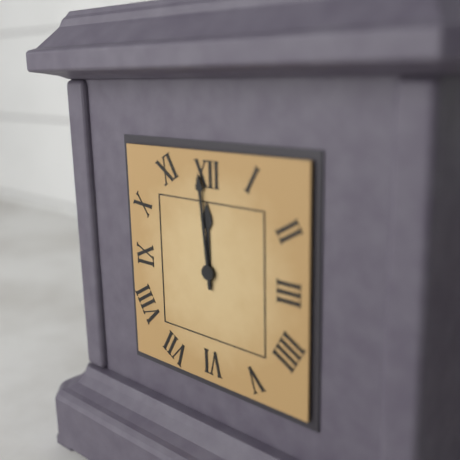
11:59
